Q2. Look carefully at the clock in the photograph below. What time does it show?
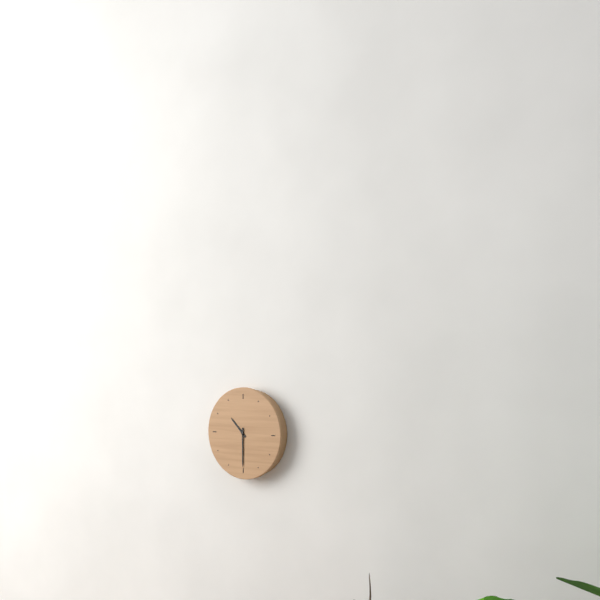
10:30
